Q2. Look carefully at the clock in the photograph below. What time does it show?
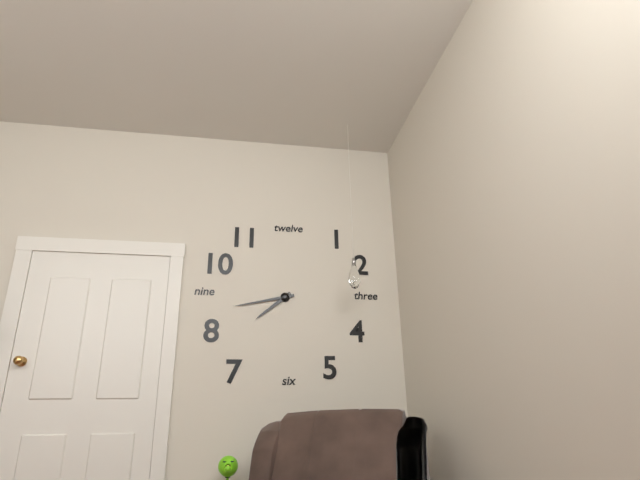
7:43
